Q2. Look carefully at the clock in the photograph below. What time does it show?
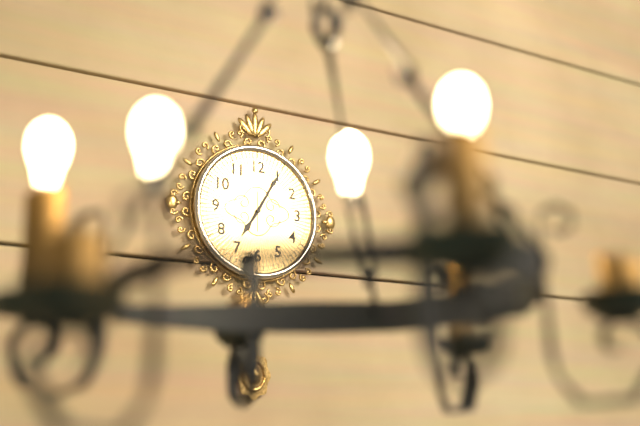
7:05
